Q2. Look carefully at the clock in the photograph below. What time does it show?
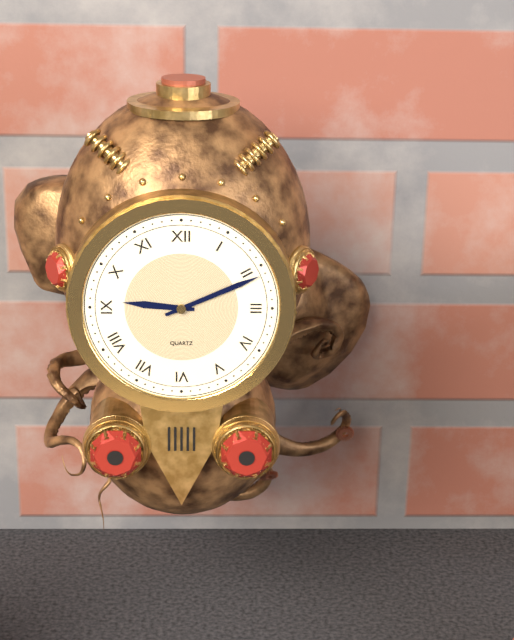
9:11
